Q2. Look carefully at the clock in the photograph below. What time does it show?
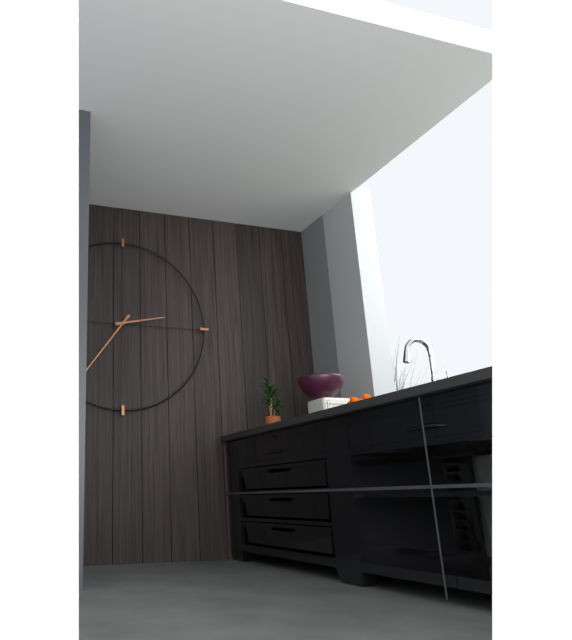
2:36
